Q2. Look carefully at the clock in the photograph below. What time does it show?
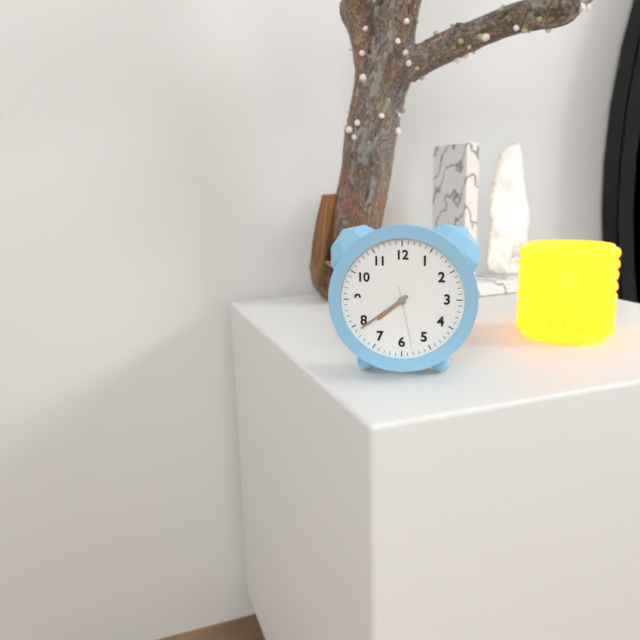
7:39:28
